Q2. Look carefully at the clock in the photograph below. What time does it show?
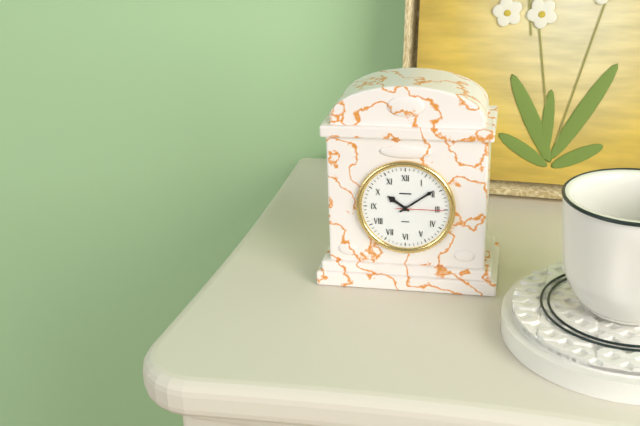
10:09:15
